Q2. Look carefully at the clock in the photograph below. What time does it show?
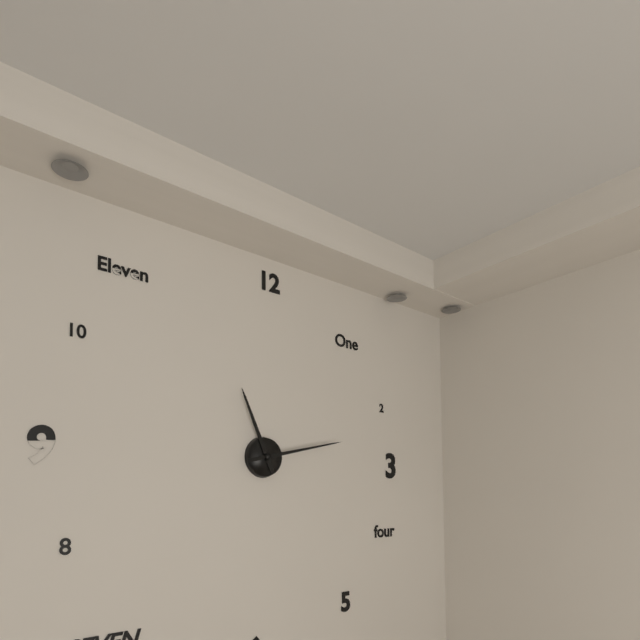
11:13
